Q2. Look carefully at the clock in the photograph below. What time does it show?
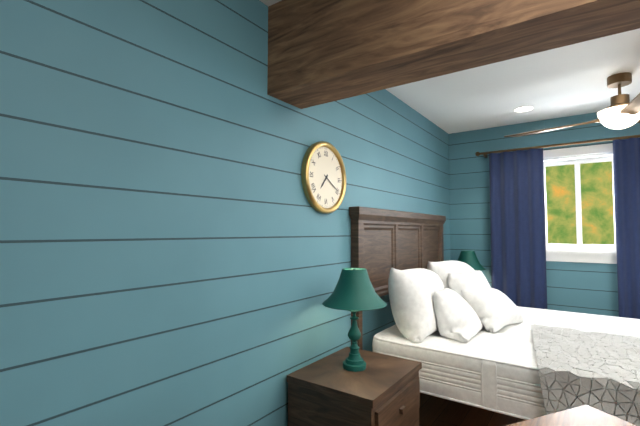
7:20
